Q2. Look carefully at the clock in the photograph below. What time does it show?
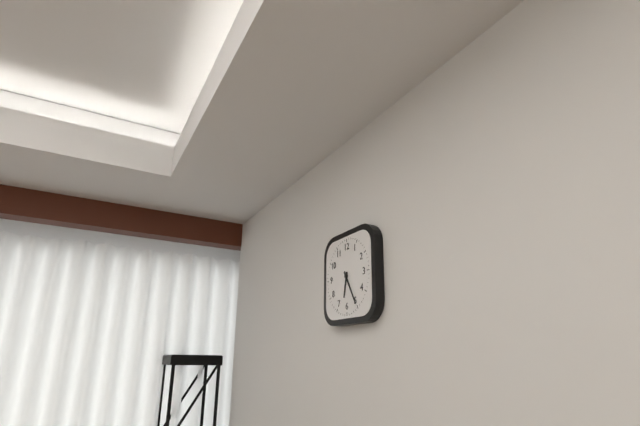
6:25
